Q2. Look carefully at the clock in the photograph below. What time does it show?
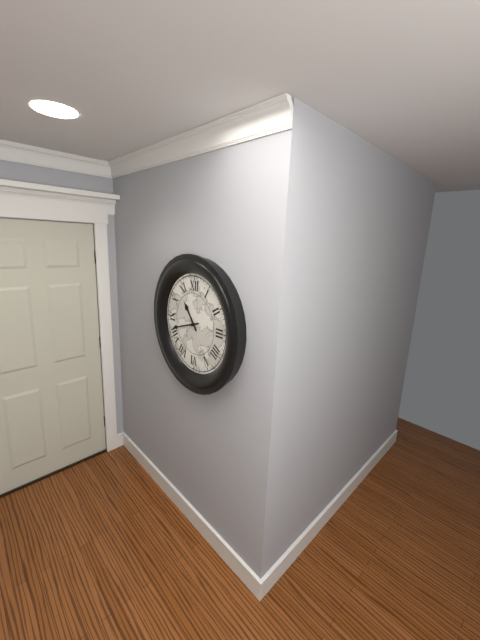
10:42
